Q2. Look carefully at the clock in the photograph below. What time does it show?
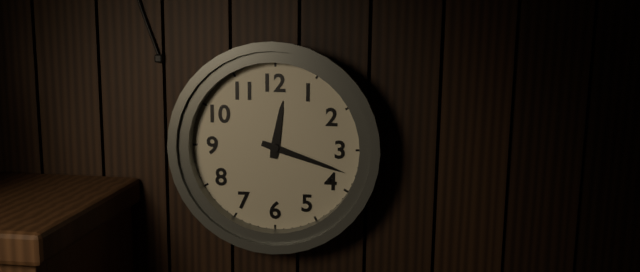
12:18
